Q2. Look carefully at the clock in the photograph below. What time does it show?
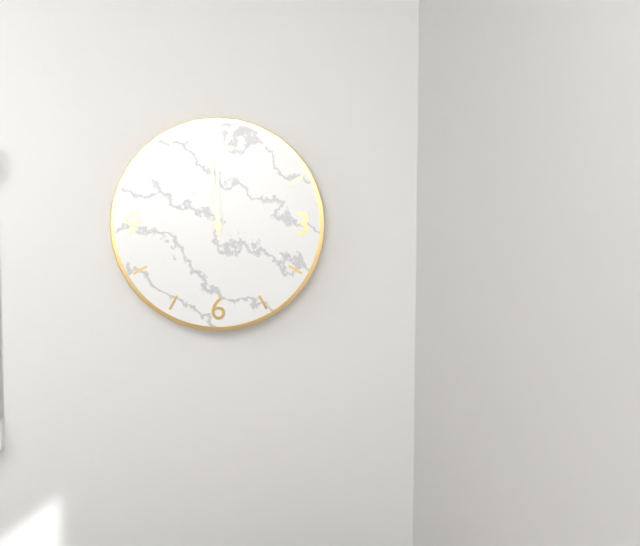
11:59
